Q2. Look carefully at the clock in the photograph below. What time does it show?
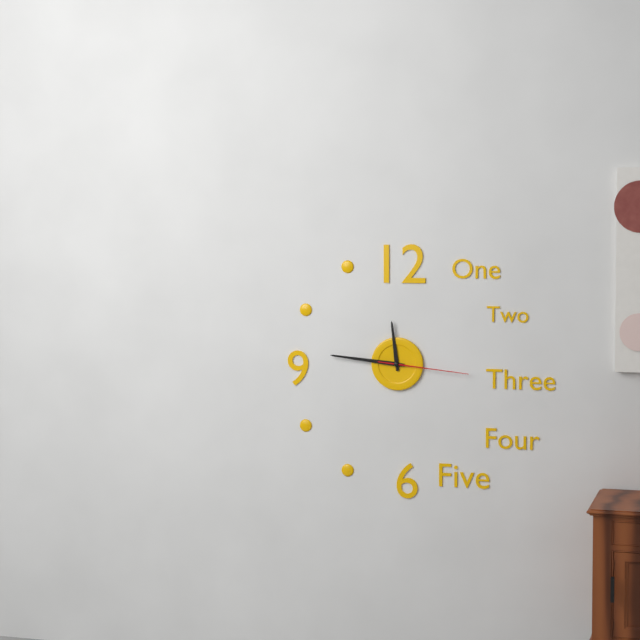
11:46:16
